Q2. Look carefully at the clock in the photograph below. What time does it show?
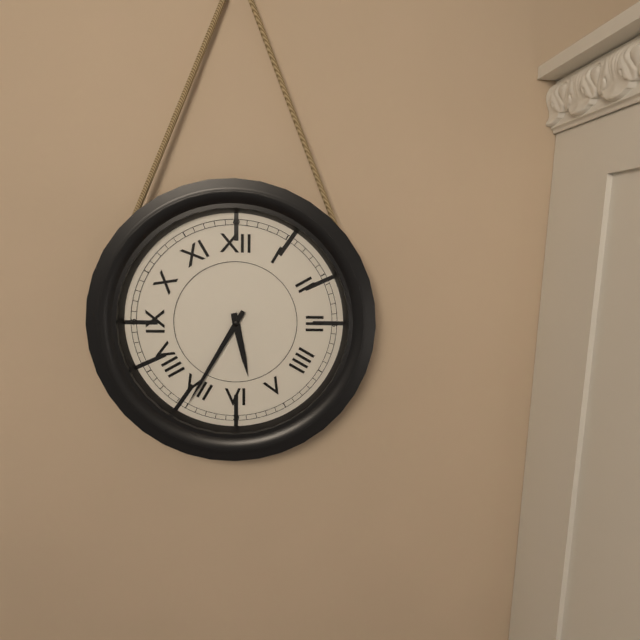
5:35
